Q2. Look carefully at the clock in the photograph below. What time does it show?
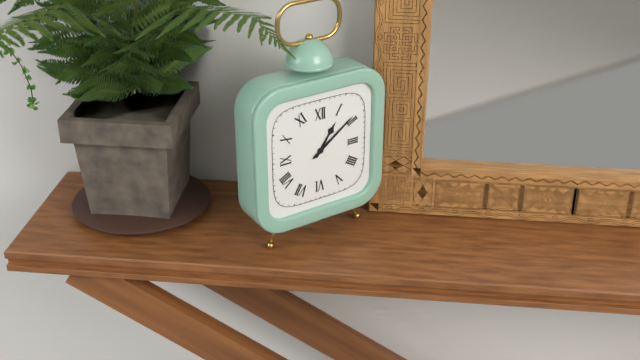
1:09
